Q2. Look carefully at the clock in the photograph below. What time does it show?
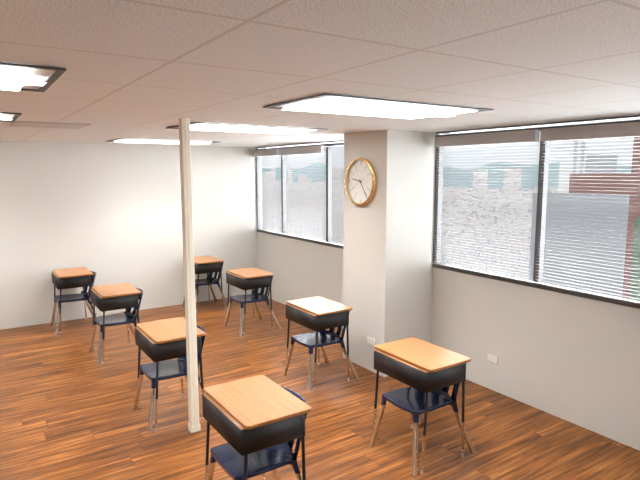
9:24
